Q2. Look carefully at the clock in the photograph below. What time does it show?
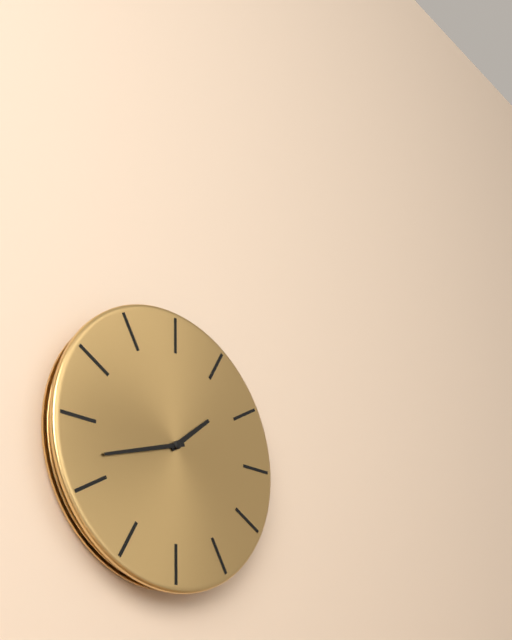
1:42
